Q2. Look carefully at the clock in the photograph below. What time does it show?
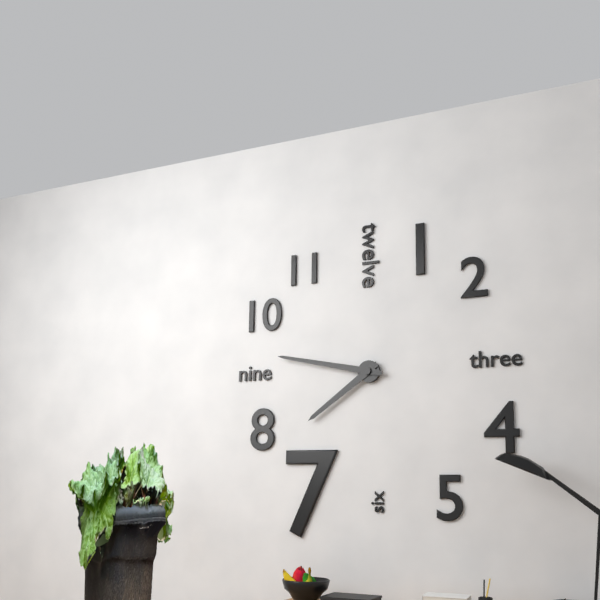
7:47
